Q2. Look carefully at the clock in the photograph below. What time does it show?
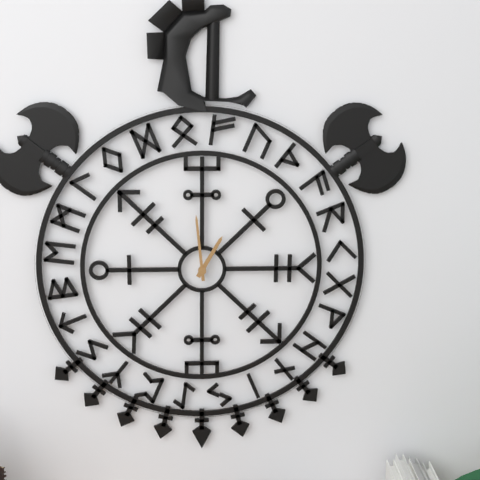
12:59
